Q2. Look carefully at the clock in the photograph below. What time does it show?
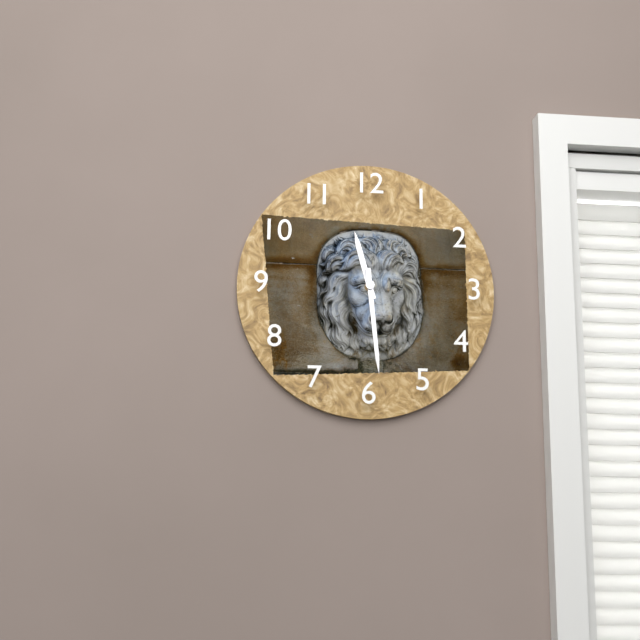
11:29
